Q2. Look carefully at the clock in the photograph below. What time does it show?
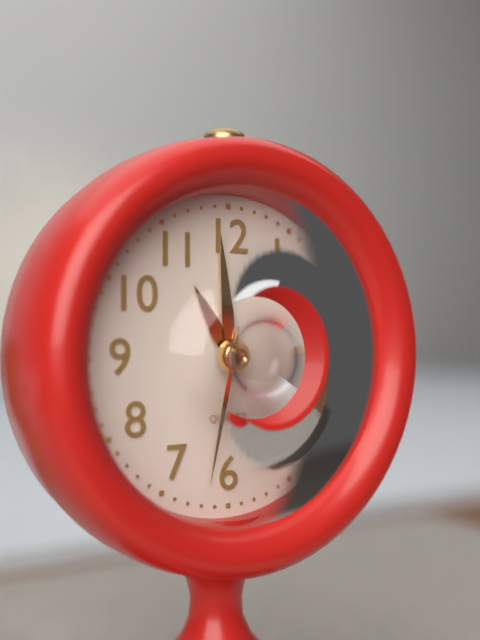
10:59:32
